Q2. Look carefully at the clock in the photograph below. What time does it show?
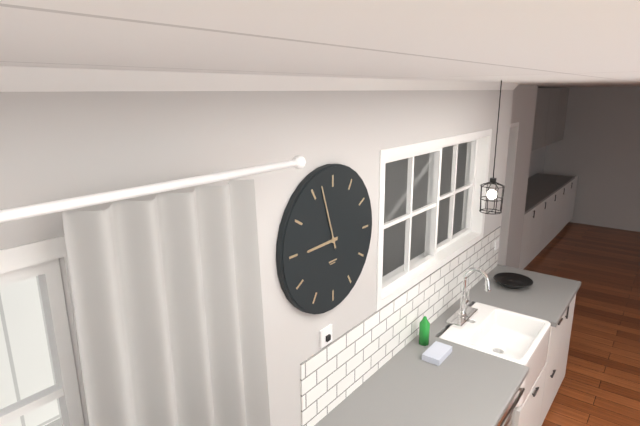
8:57
